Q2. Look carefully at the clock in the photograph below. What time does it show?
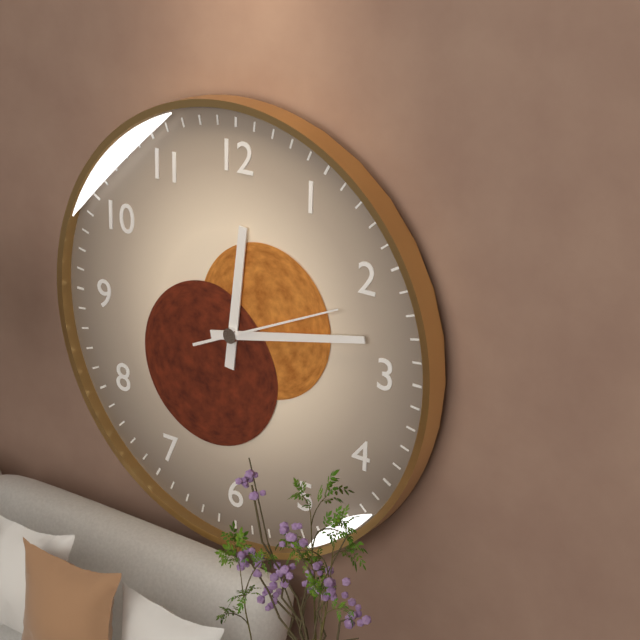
12:13:11
